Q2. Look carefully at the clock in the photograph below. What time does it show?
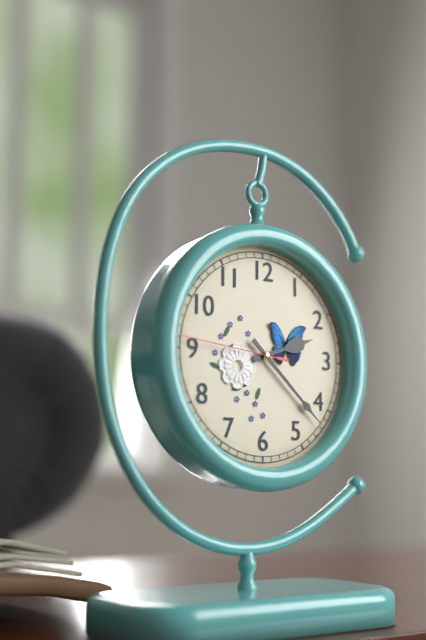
2:22:46
